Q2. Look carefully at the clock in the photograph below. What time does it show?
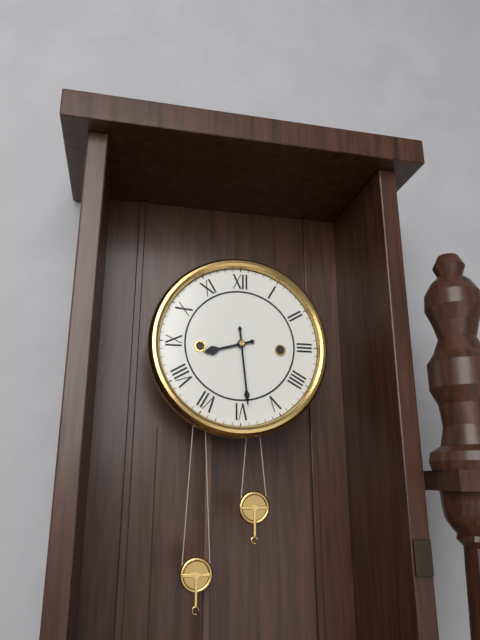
8:29
